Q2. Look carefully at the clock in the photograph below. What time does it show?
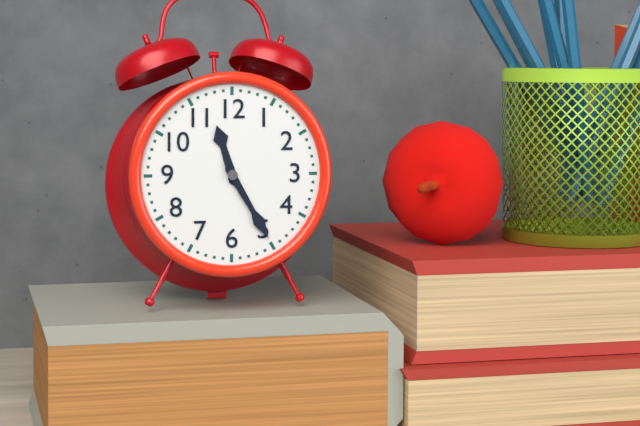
11:25
